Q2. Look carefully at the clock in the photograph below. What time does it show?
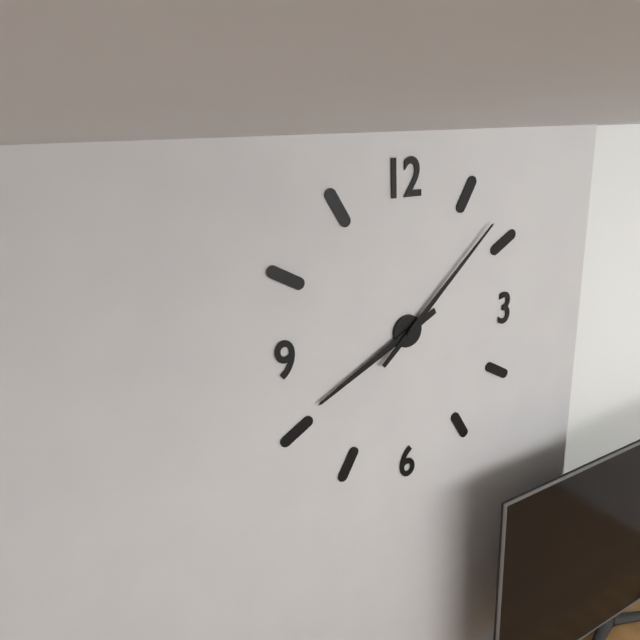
8:08
